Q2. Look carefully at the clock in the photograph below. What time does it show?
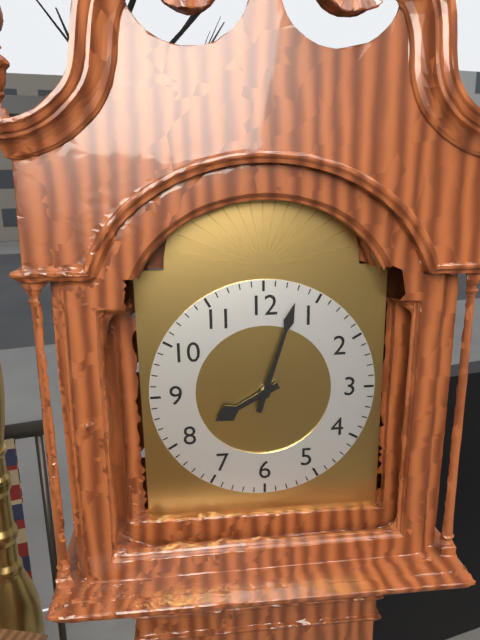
8:03
